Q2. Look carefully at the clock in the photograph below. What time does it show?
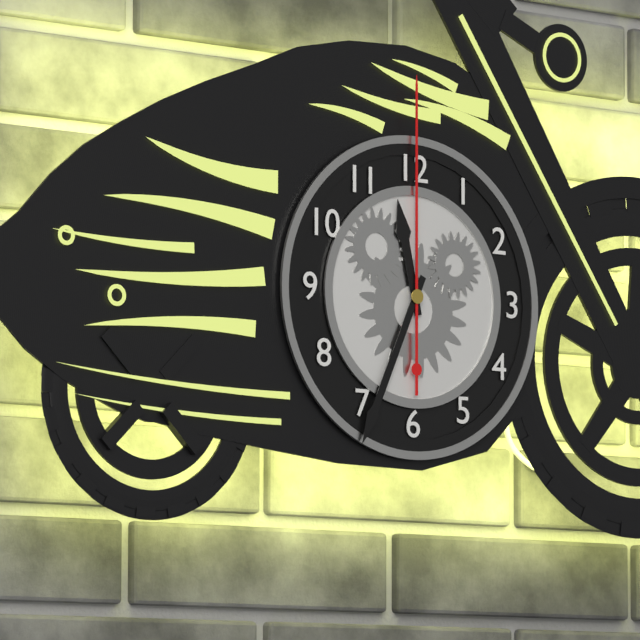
11:34:00
